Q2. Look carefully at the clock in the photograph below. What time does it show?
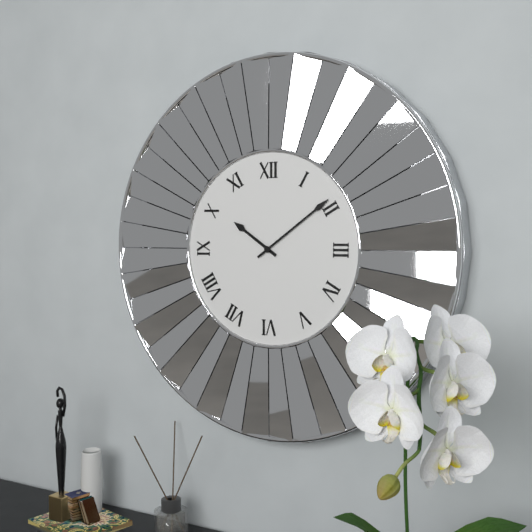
10:09
